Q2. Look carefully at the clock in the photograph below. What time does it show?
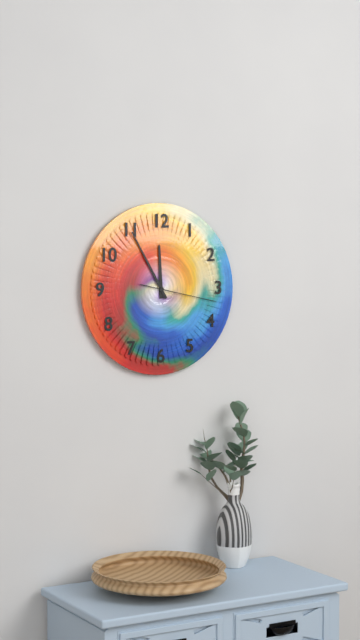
11:55:17
